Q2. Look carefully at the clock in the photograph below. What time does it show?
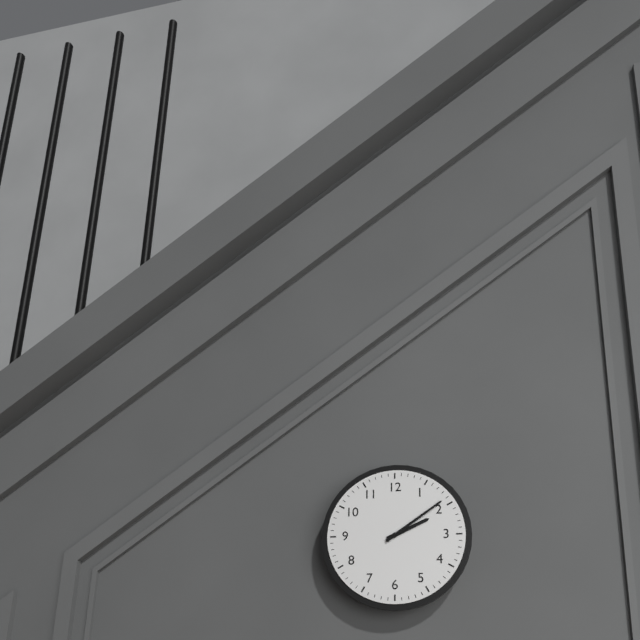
2:09
